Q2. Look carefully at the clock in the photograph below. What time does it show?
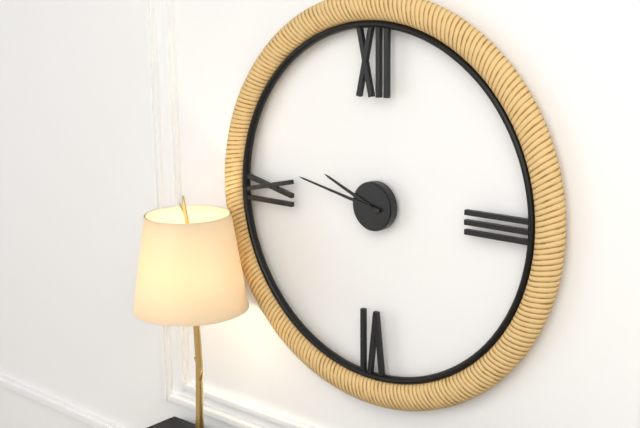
9:47
